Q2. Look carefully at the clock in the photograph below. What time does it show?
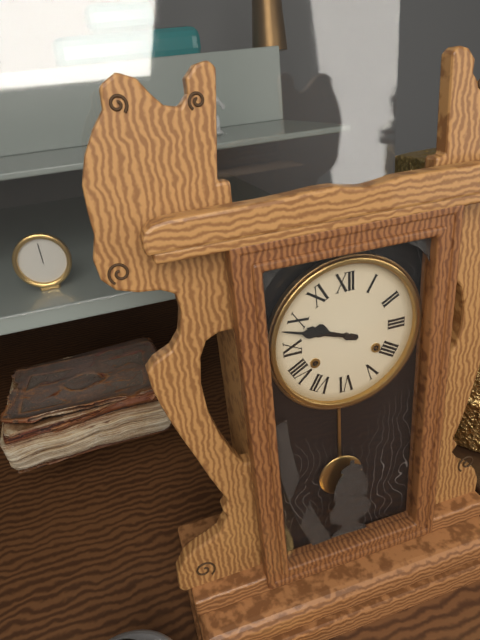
9:48
